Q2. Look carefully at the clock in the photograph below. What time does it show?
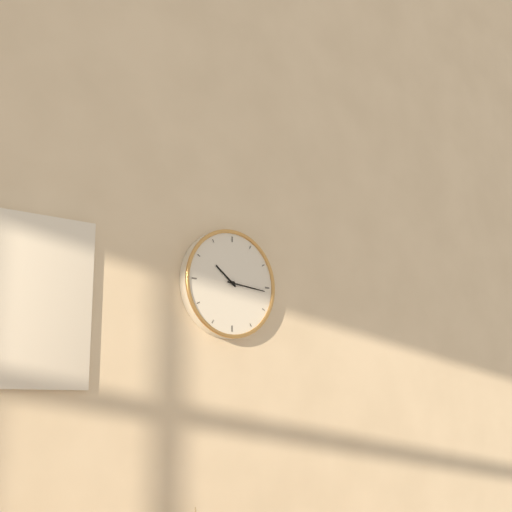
10:16
